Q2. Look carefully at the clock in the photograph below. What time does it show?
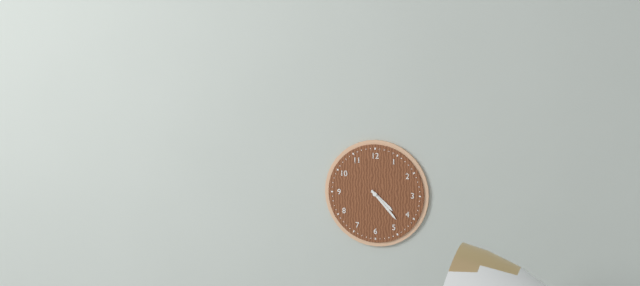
4:23
